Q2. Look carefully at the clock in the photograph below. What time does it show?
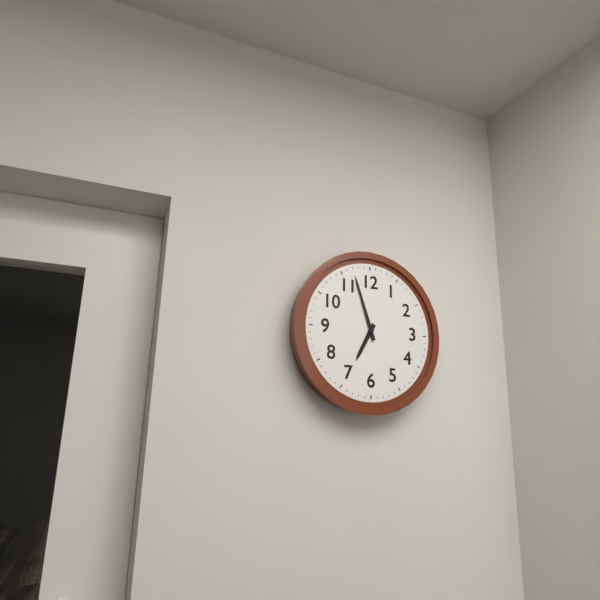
6:57
